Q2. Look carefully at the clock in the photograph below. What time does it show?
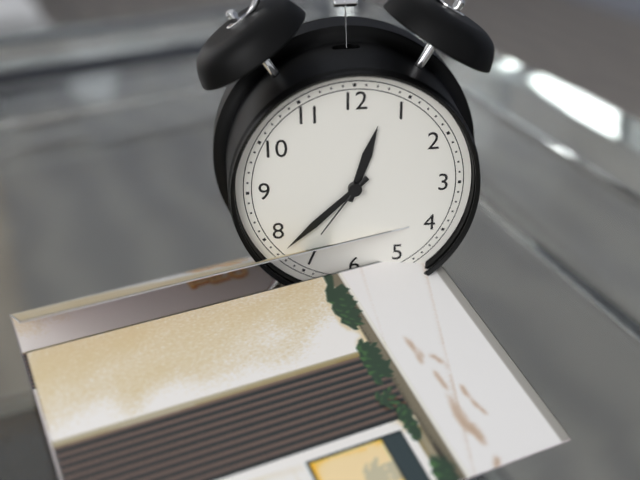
12:38:36
